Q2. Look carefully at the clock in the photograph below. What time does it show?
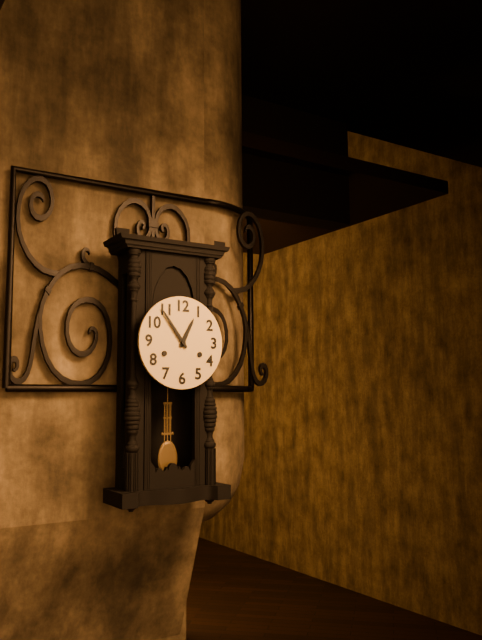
12:54
